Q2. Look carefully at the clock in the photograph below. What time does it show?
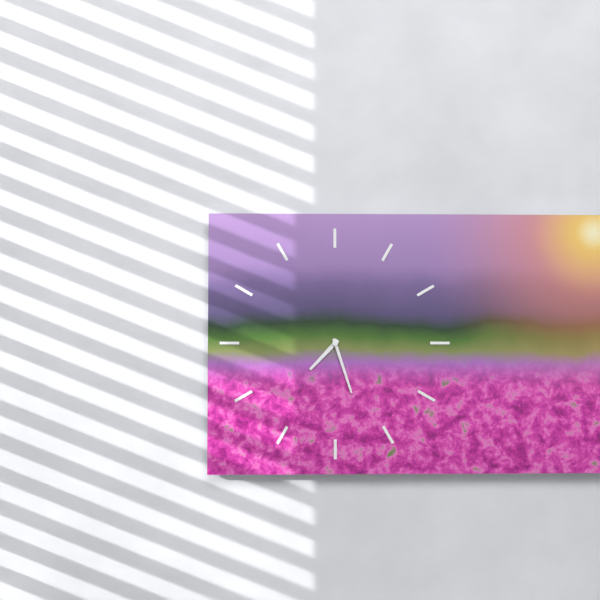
7:27
